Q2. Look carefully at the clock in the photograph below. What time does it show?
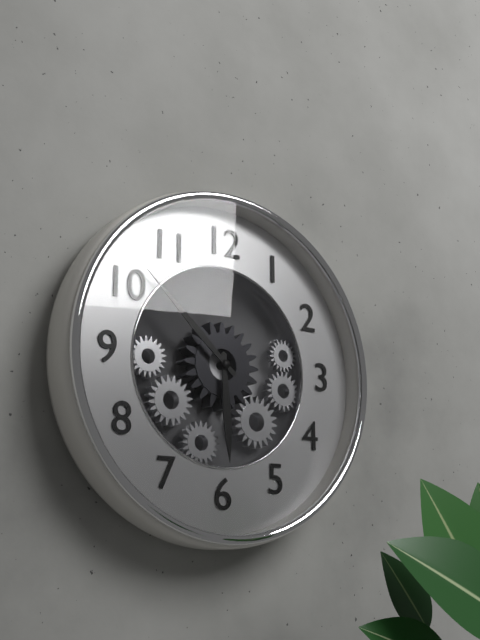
5:52
